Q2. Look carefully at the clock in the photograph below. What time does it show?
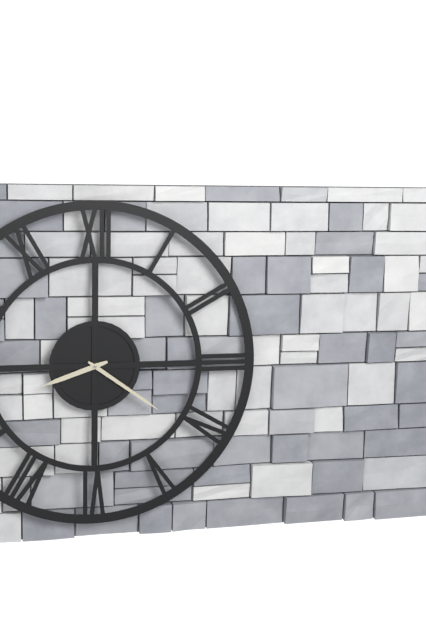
8:21
